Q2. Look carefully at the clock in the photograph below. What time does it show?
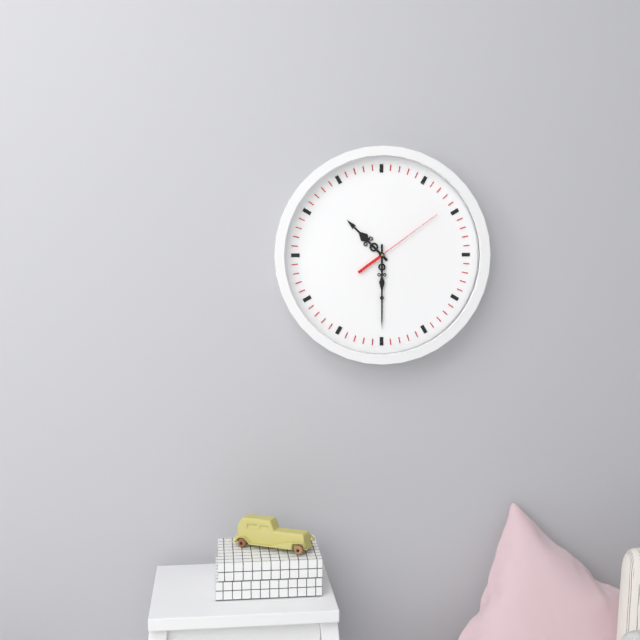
10:30:09
